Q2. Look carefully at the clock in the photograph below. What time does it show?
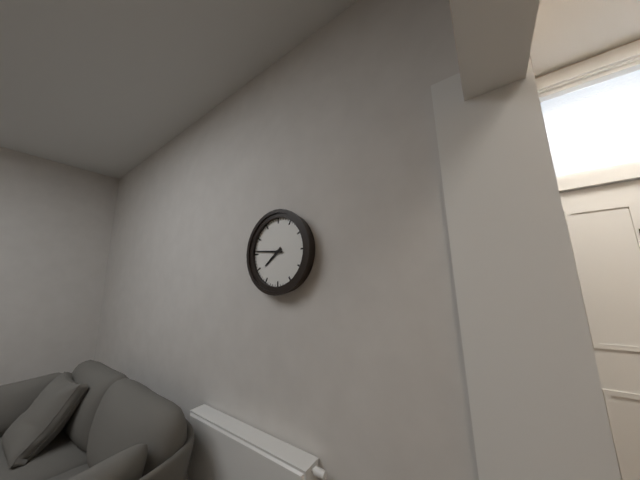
7:46
